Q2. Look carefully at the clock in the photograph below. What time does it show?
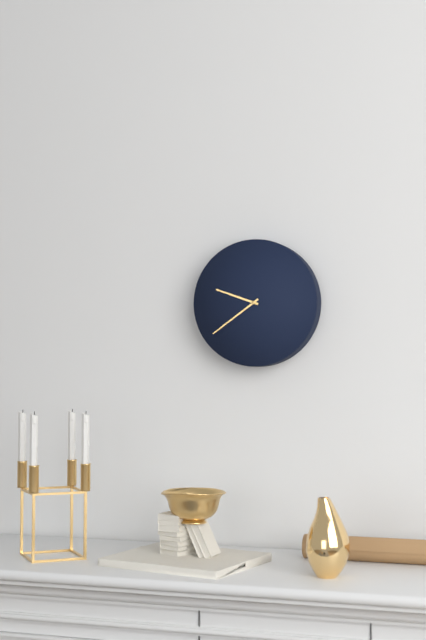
9:39
